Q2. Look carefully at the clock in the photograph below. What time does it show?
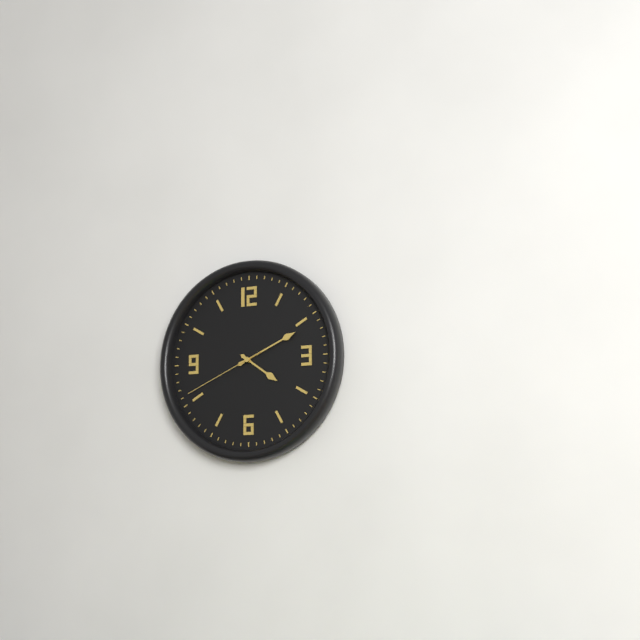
4:11:41
